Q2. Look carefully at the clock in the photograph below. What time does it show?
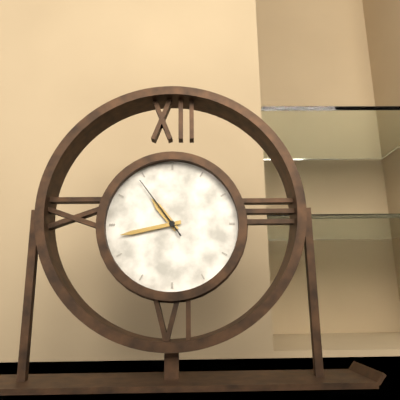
10:43:54
